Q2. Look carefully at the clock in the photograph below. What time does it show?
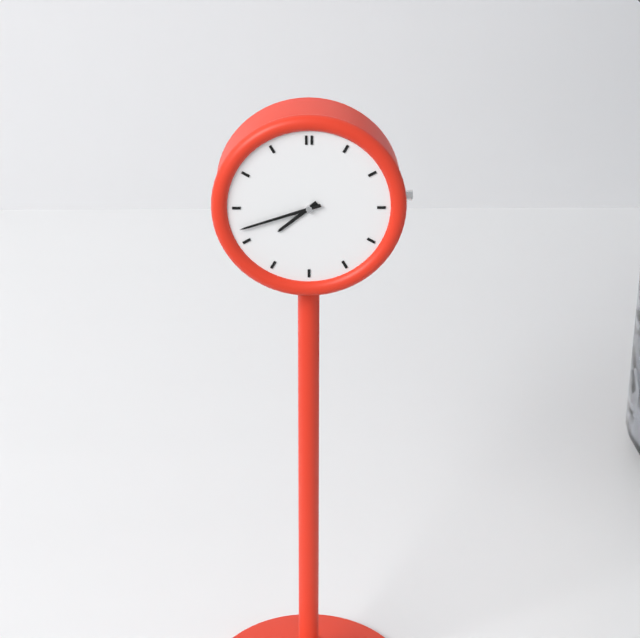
7:42
